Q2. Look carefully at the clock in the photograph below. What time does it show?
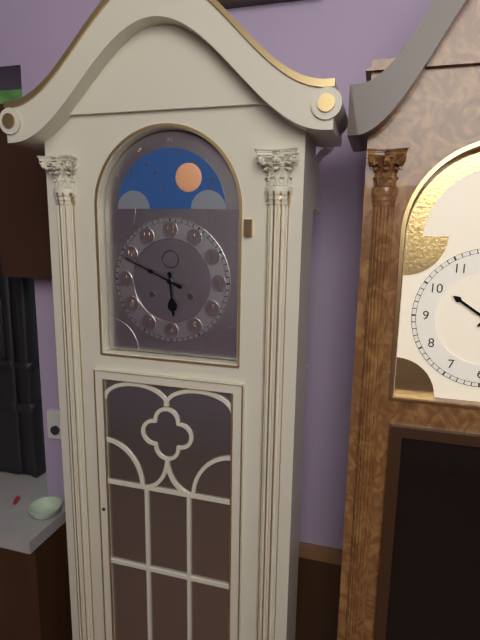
5:49
